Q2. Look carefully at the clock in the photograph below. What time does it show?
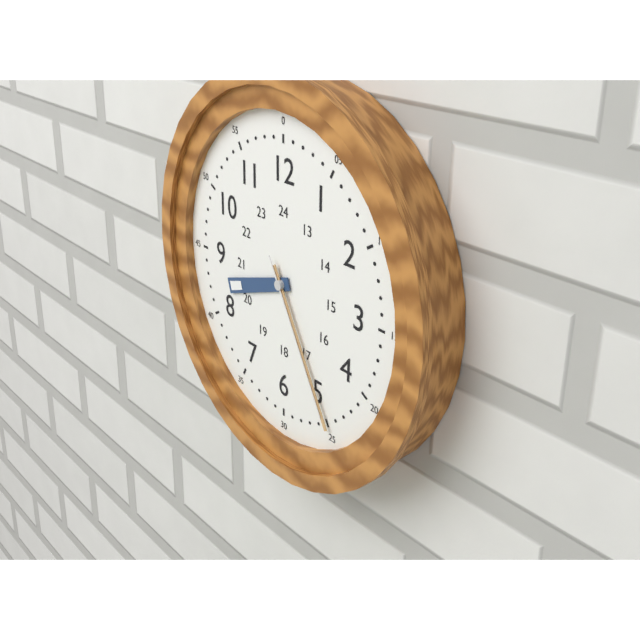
8:25:25
